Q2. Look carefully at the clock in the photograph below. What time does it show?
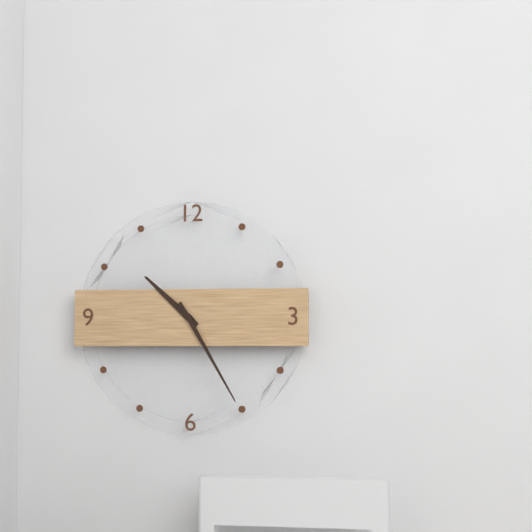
10:25
